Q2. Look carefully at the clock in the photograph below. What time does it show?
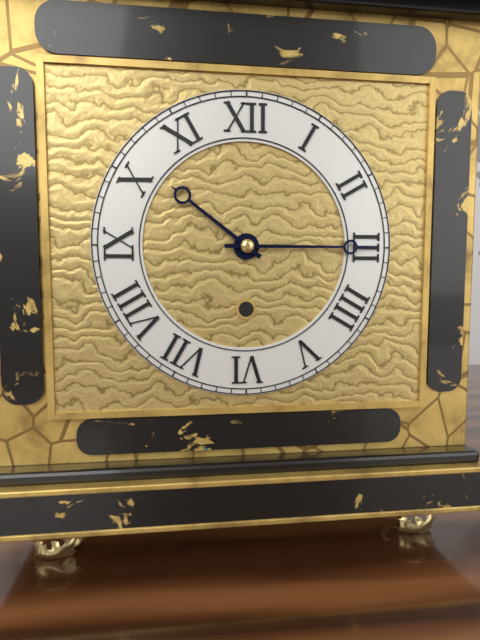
10:15
